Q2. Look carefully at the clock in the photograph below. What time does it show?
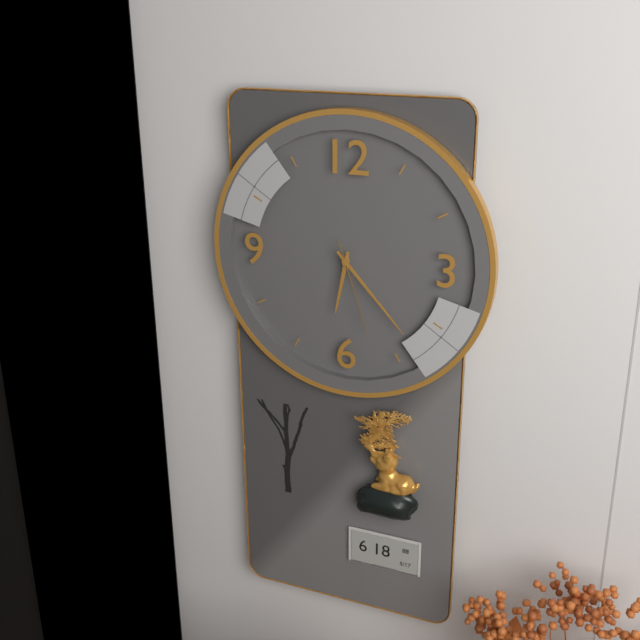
6:23:27
